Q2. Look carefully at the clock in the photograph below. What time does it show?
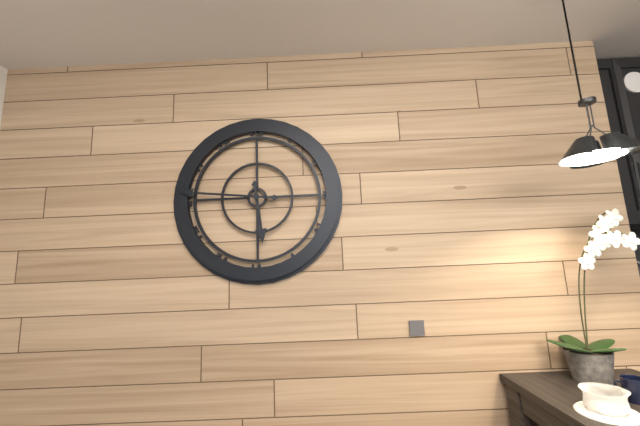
5:46
